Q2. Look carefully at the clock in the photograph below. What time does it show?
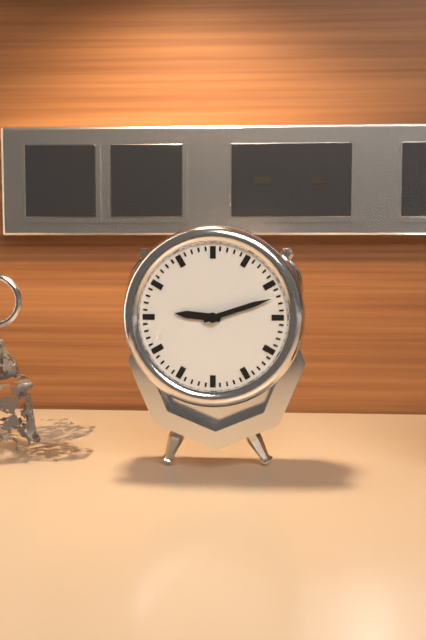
9:12
